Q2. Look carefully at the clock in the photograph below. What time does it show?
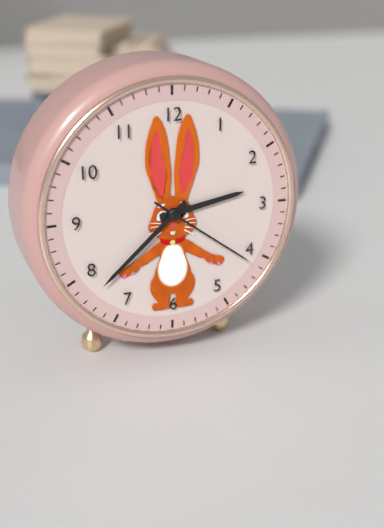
2:38:21
